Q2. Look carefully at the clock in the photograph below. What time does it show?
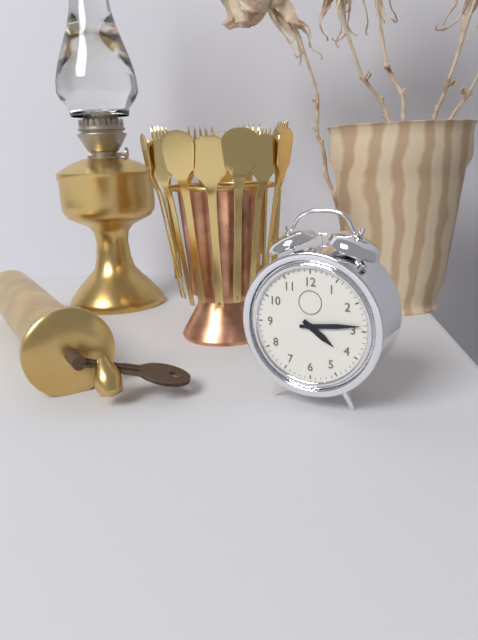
4:14
